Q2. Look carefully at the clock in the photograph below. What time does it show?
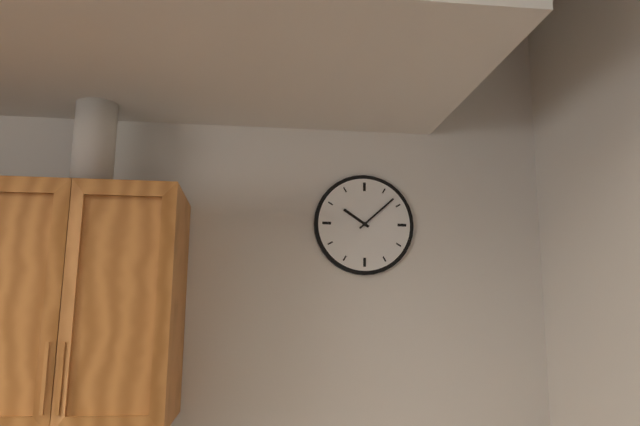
10:08
